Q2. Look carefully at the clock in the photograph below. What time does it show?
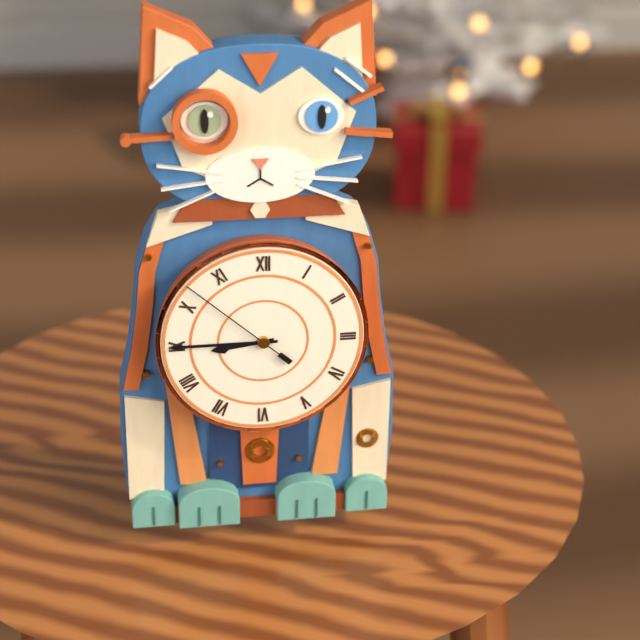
8:45:52
